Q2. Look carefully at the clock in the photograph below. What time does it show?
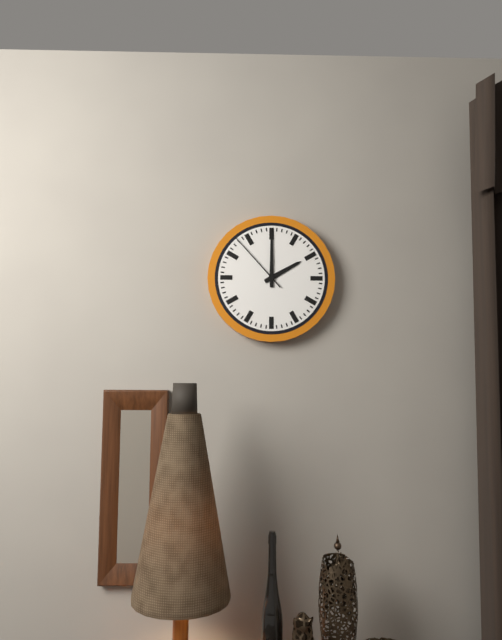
2:00:53
